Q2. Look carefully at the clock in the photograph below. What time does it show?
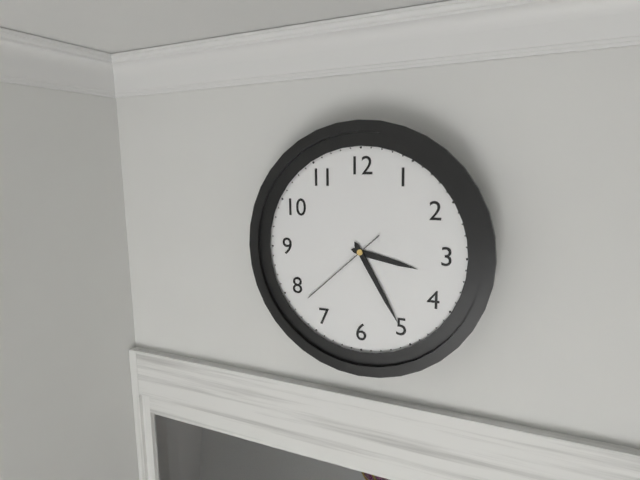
3:25:38
